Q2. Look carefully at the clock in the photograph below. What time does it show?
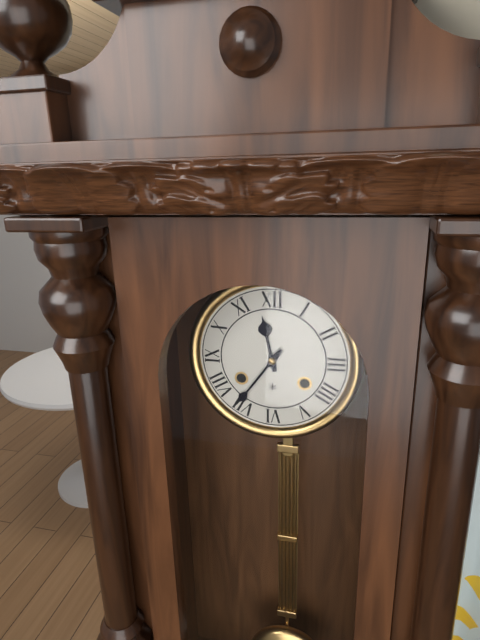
11:36
